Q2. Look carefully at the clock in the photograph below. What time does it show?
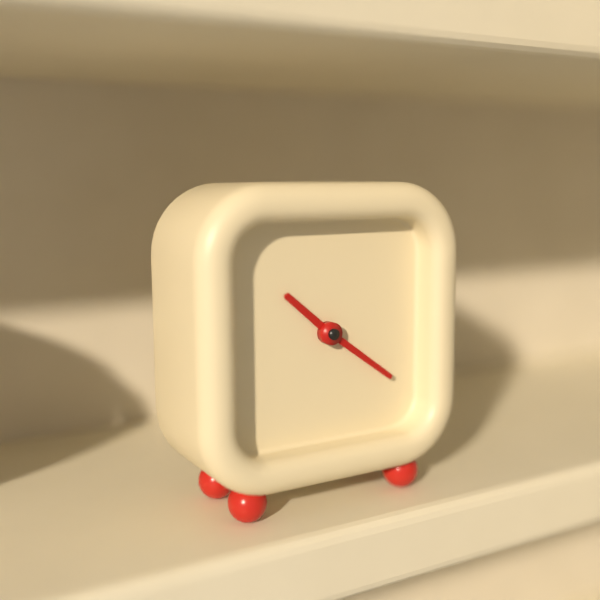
10:21
